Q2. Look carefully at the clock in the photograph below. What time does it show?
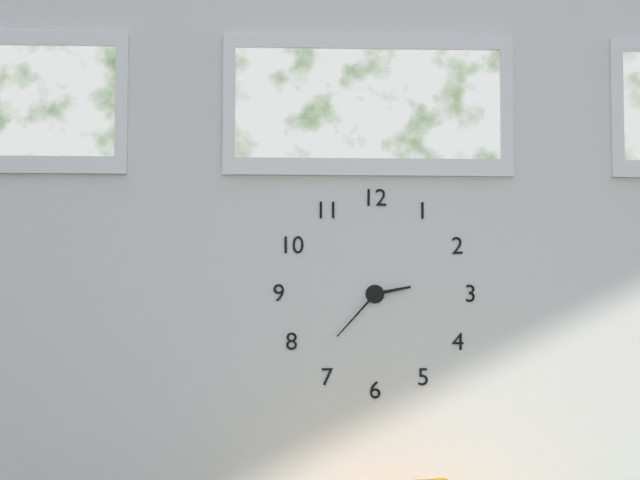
2:37
